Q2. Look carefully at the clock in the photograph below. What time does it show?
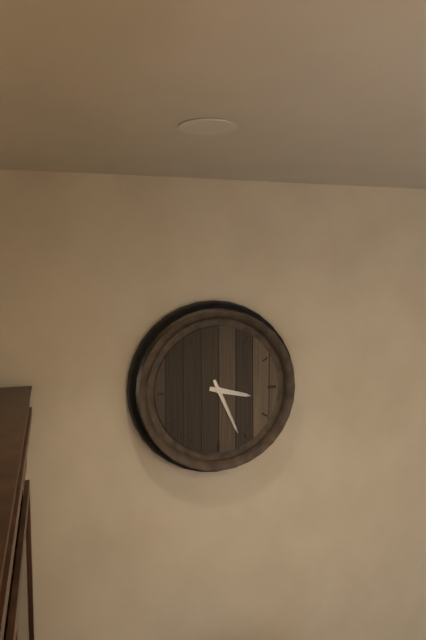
3:26
